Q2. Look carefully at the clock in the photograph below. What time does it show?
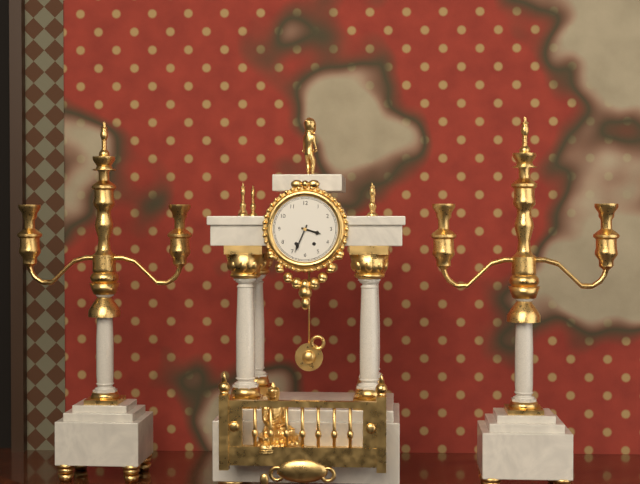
3:34
